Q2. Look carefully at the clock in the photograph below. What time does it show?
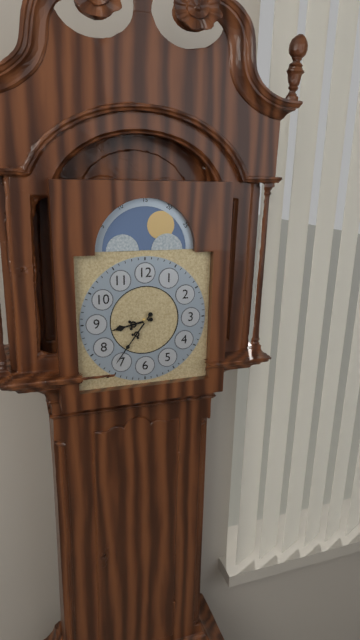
8:36
